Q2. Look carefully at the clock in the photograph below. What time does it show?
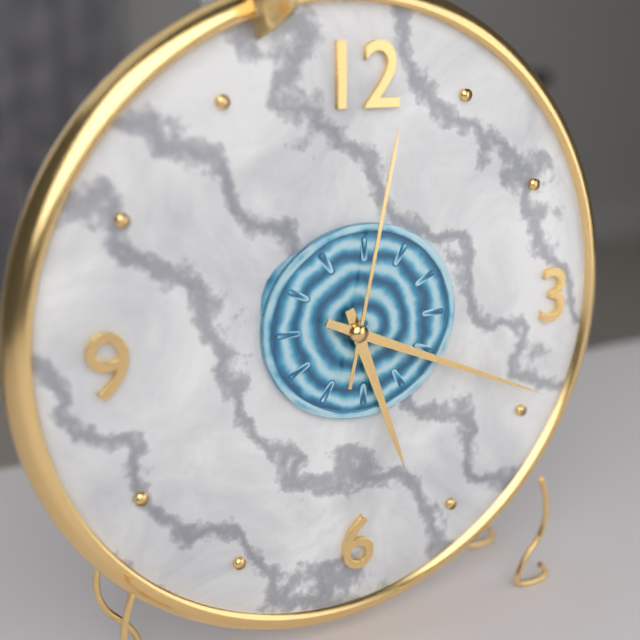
5:19:02
